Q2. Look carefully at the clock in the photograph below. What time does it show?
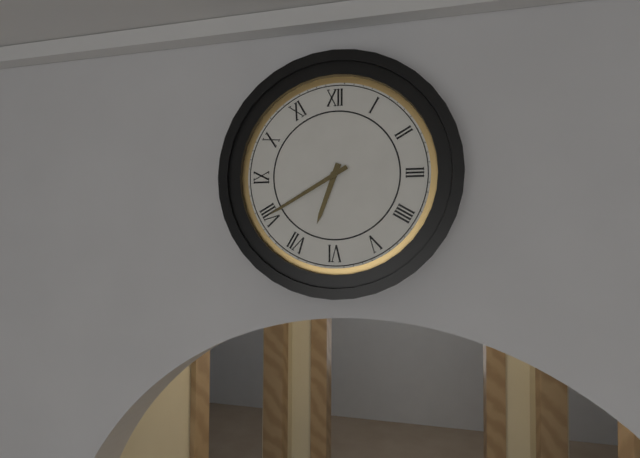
6:40
